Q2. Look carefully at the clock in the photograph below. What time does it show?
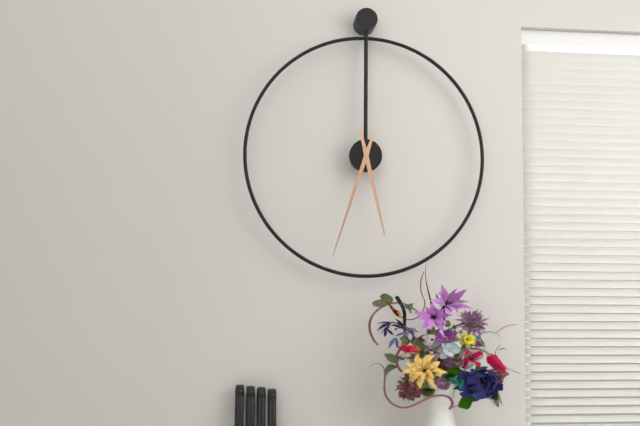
5:33
